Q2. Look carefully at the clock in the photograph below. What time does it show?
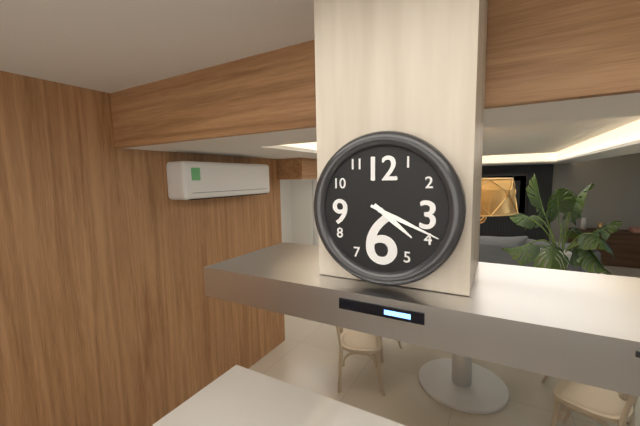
4:19
